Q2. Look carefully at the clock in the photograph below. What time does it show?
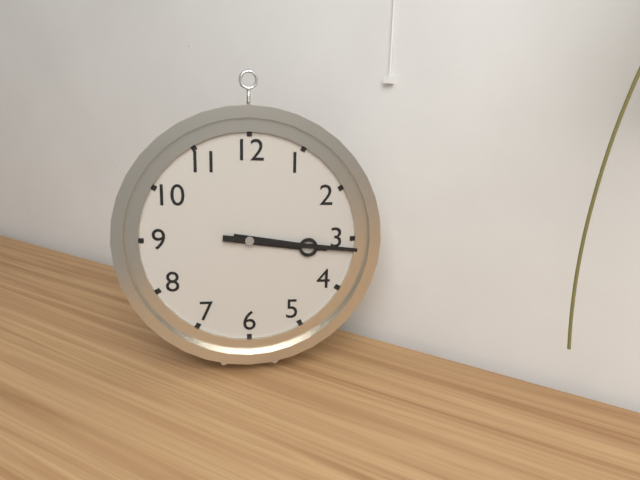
3:16
